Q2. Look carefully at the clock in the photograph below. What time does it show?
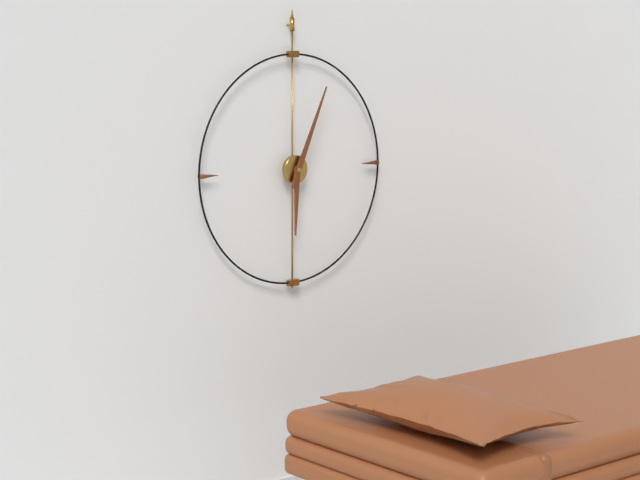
6:04
